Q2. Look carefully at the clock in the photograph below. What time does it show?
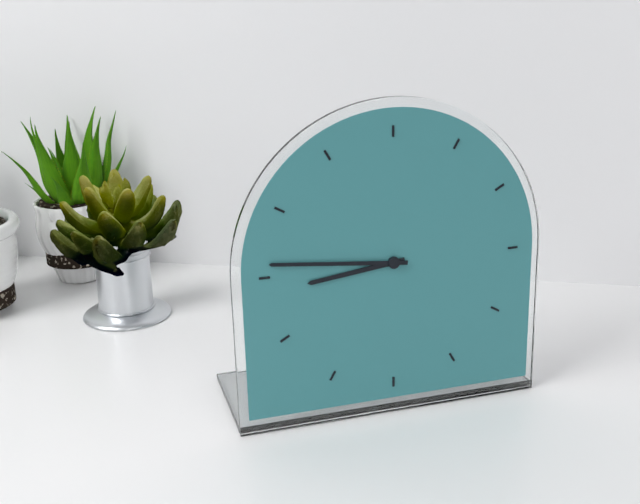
8:46
